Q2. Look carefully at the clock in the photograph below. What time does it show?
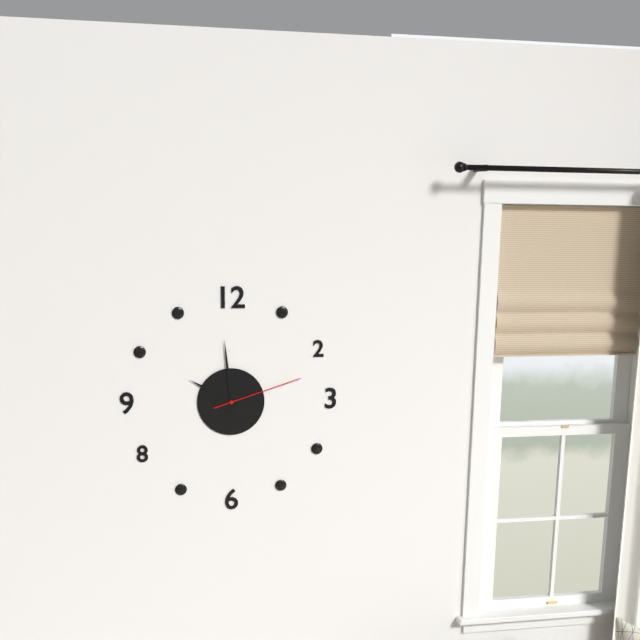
9:59:12
